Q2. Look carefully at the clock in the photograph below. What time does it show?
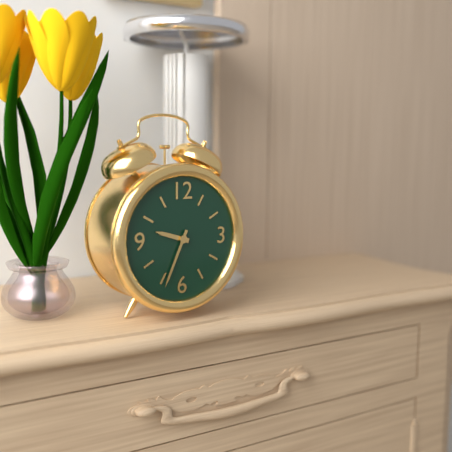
9:34
